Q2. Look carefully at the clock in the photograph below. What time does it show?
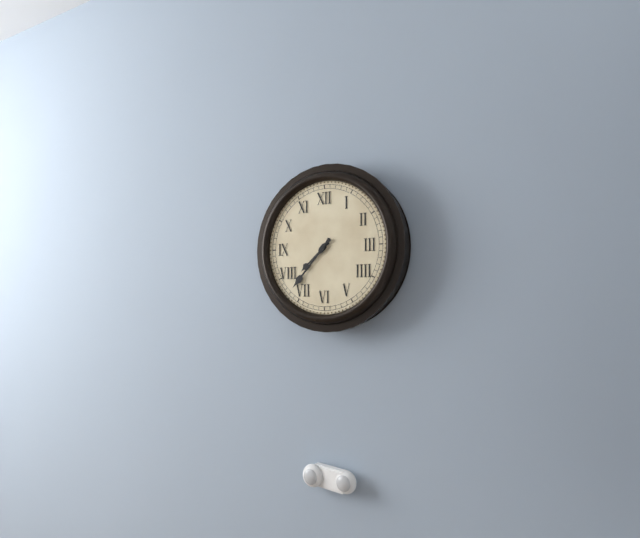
7:37
